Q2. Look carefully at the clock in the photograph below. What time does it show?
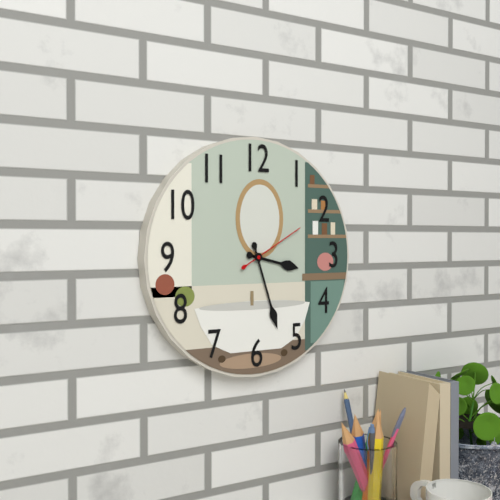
3:27:10
